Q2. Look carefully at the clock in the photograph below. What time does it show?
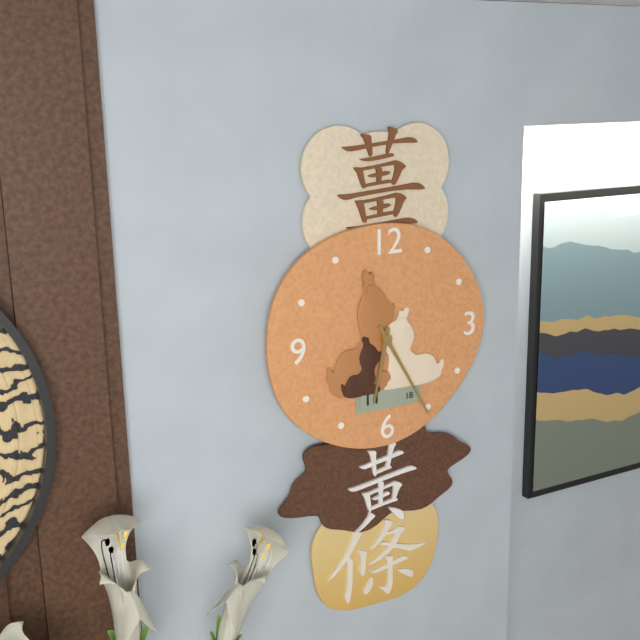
6:25
